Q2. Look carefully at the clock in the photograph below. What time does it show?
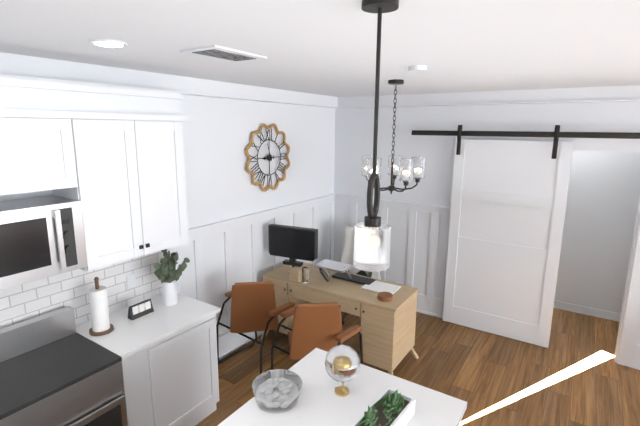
8:57
